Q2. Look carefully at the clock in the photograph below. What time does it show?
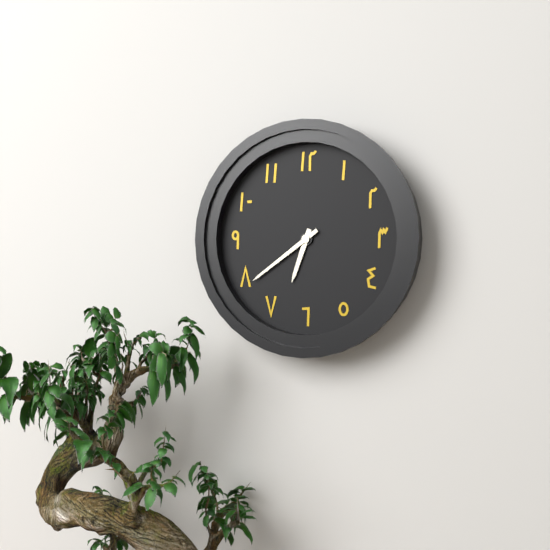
6:39
